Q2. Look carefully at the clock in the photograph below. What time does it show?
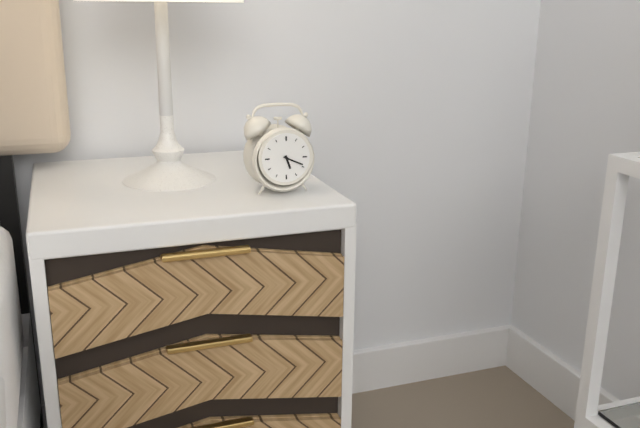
5:19
